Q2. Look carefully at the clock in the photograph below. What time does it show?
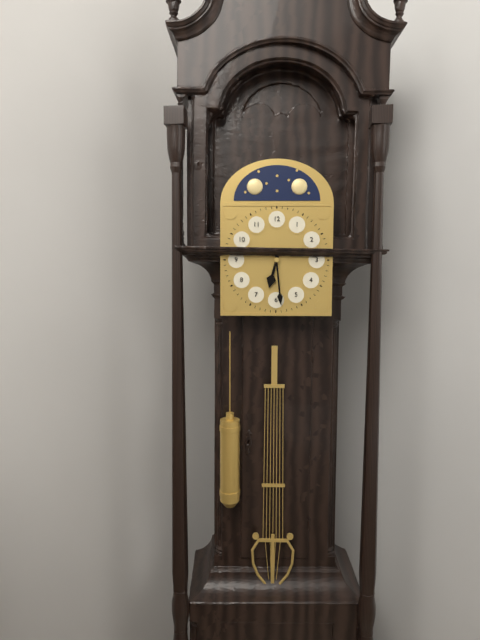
6:29
